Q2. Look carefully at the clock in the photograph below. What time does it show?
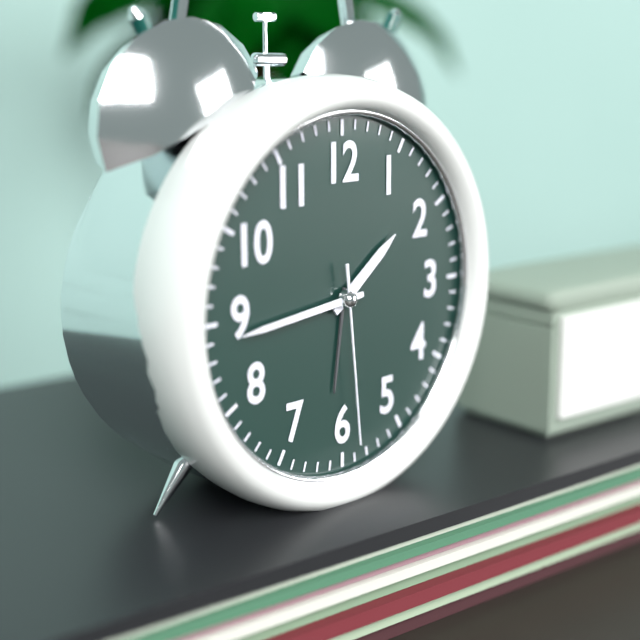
1:44:29
